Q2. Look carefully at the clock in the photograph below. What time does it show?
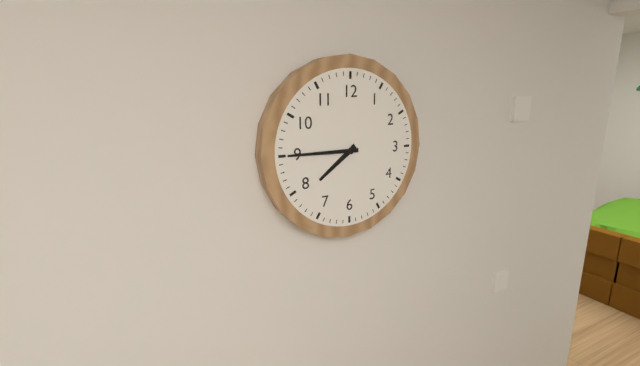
7:45
